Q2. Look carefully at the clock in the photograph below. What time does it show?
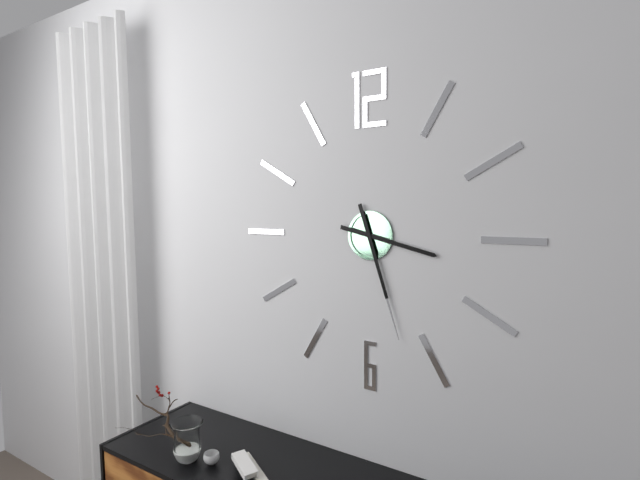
3:27
